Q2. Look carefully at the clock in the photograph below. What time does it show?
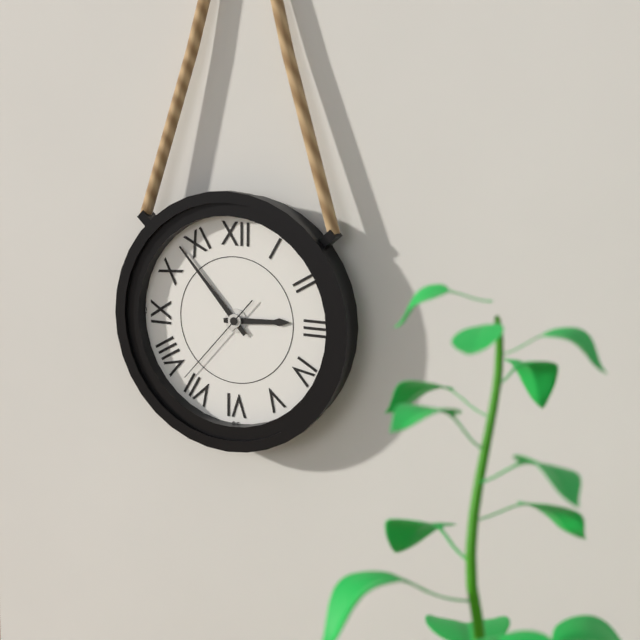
2:53:37
